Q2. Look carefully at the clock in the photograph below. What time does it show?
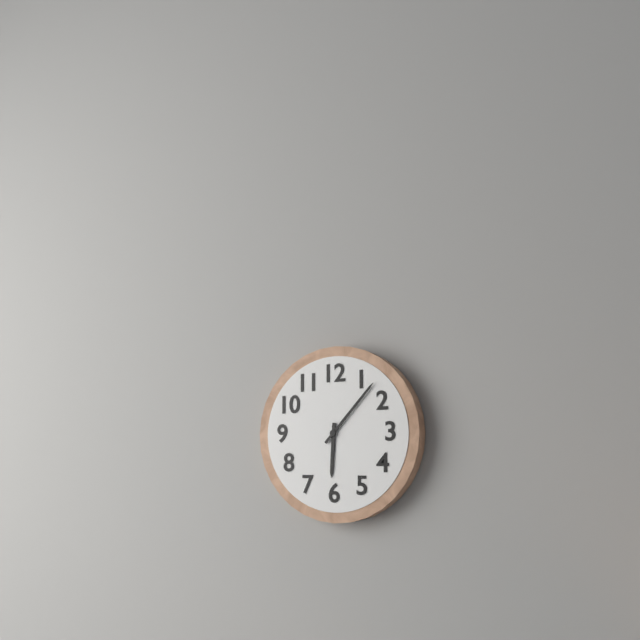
6:07
